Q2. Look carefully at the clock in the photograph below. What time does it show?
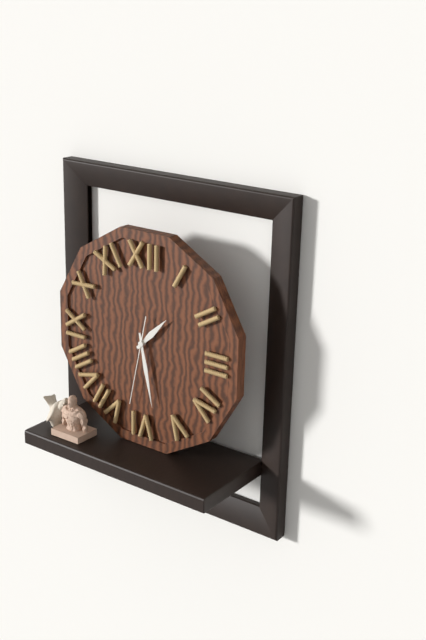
1:28:32
